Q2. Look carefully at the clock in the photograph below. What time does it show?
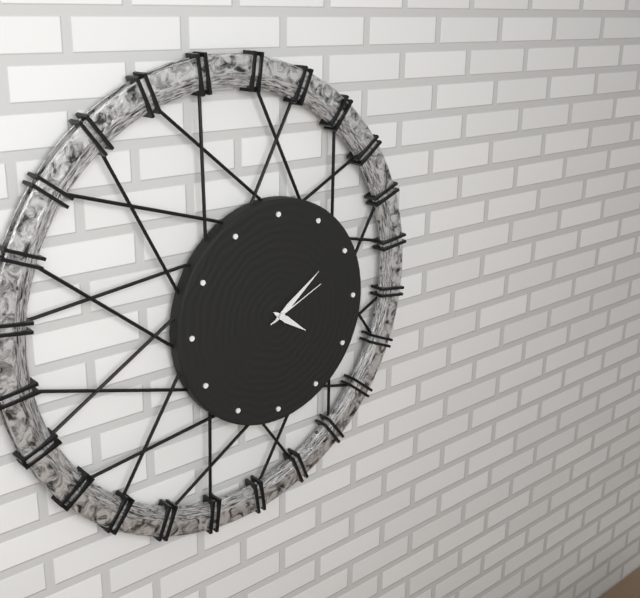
4:09:11
